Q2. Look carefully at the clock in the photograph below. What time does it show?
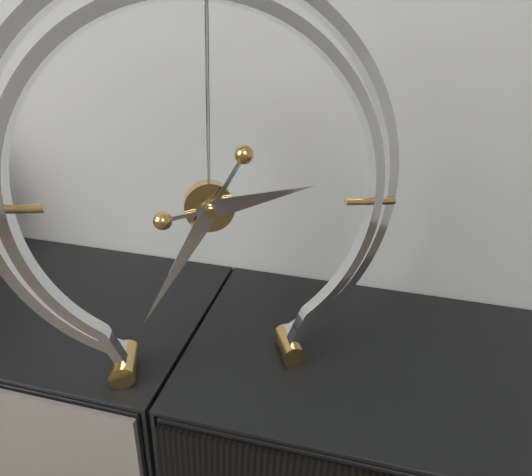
2:35
